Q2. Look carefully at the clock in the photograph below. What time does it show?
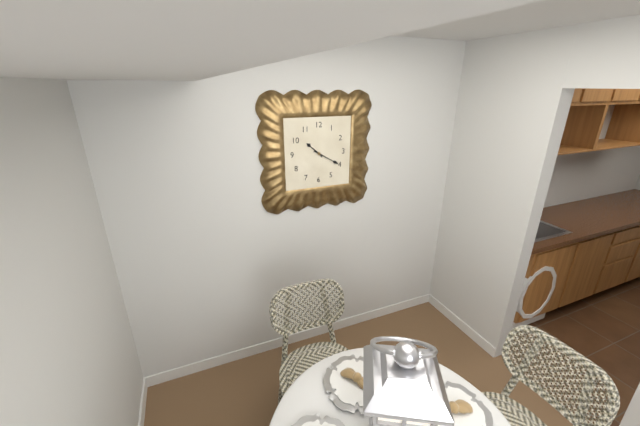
10:20
